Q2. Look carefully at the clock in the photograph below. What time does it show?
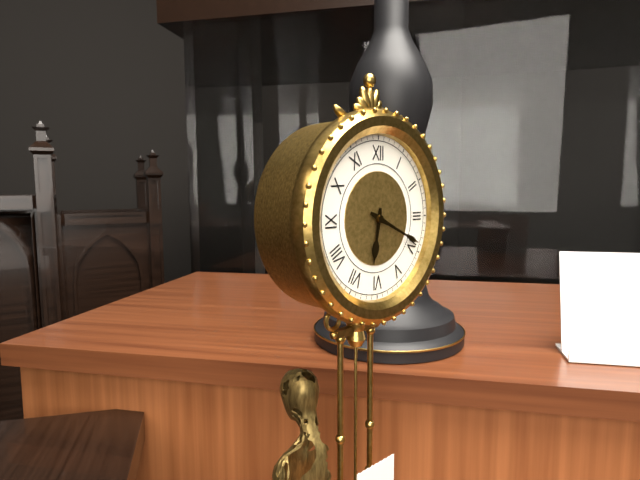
6:19
